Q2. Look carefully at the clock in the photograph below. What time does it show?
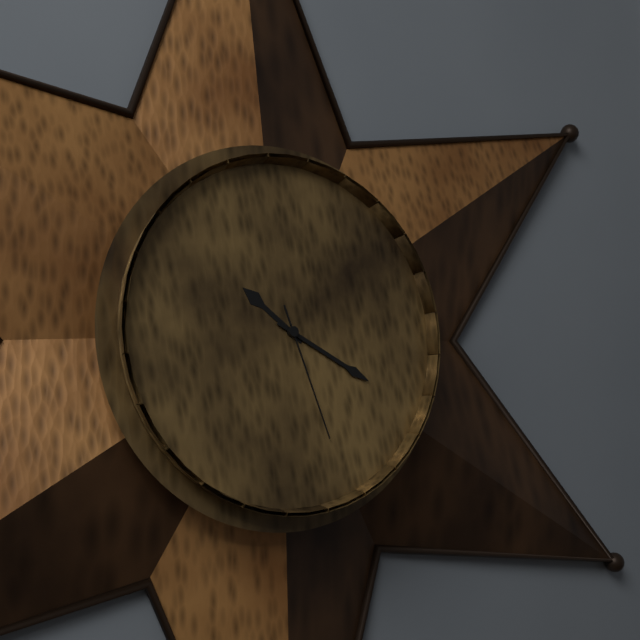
10:20:27
